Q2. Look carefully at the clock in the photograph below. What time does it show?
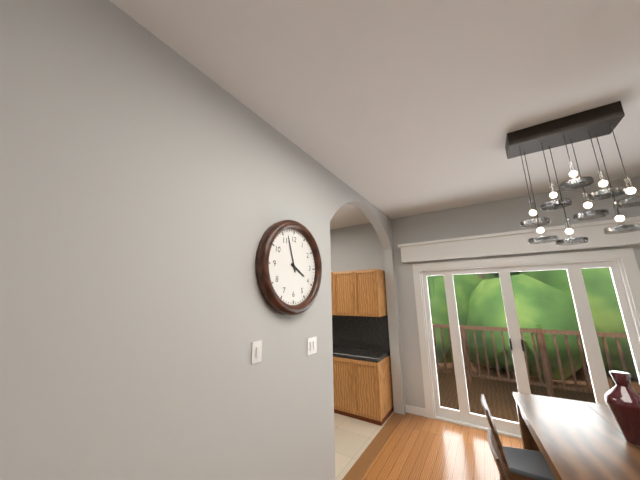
3:57
